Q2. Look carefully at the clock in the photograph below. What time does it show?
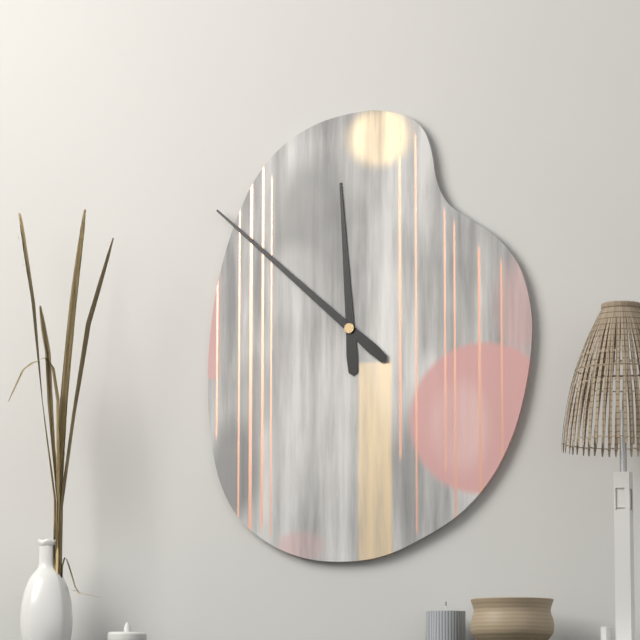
11:52
